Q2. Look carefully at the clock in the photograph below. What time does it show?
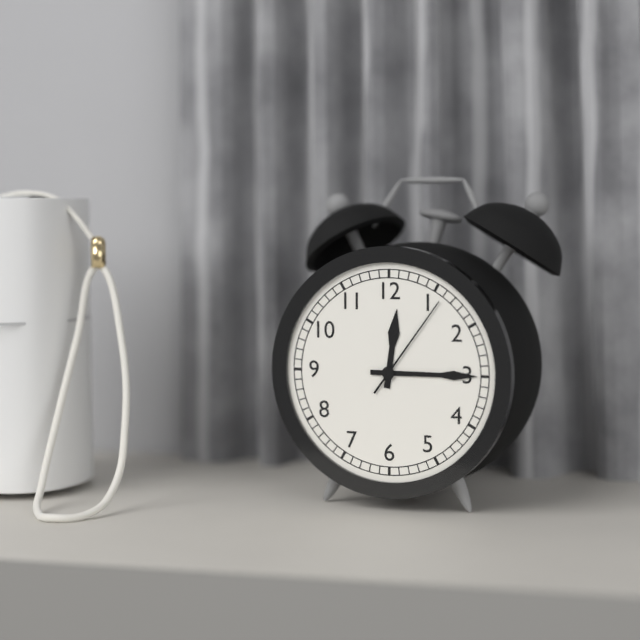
12:15:06
